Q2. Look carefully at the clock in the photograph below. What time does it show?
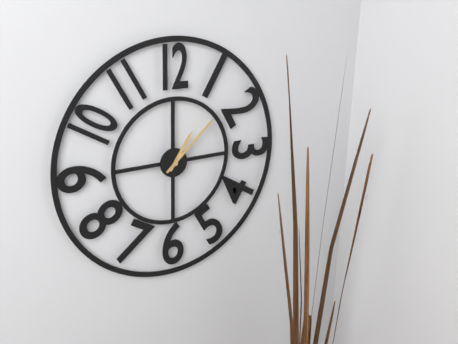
1:08
